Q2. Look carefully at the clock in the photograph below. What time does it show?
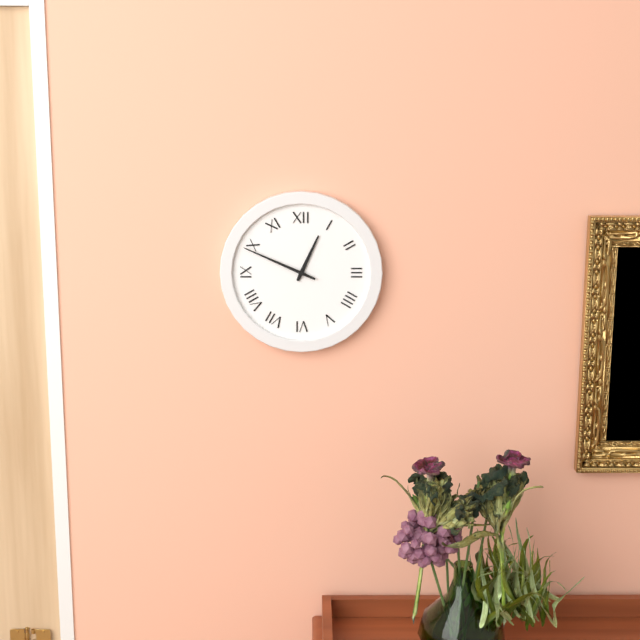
12:49
